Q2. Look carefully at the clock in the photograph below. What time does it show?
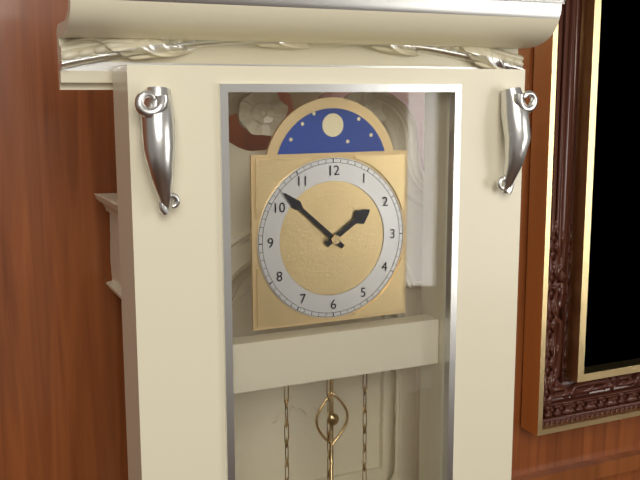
1:52
